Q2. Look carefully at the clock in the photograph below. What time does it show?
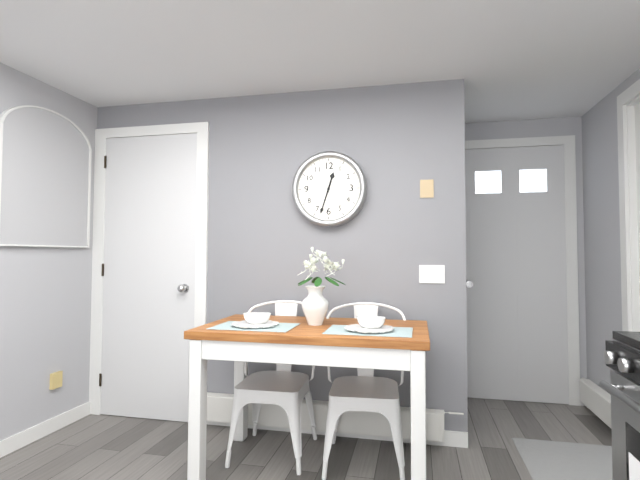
12:33
